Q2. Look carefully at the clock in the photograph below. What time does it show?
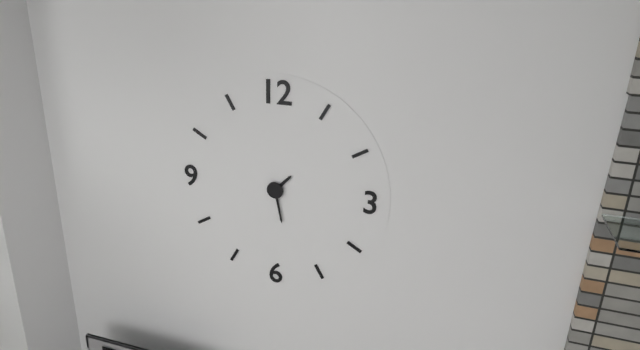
1:28
